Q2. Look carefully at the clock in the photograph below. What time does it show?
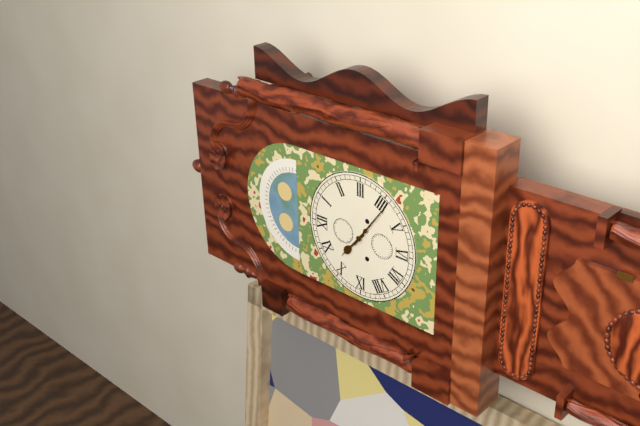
10:21
